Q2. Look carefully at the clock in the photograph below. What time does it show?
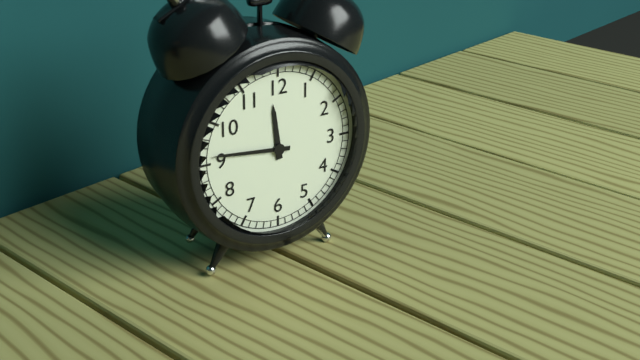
11:46
